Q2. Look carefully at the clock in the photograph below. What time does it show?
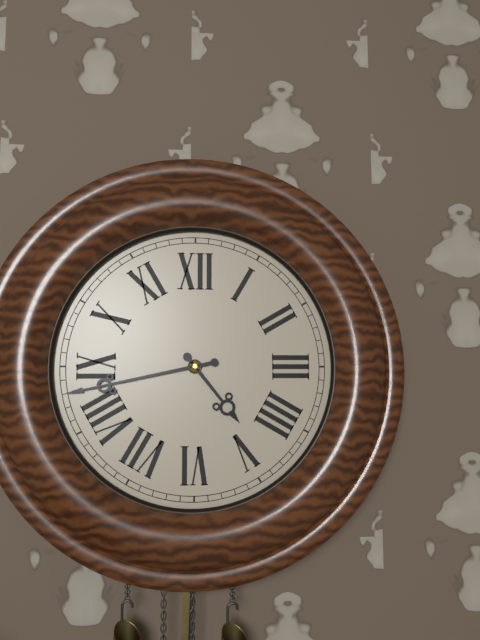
4:43
